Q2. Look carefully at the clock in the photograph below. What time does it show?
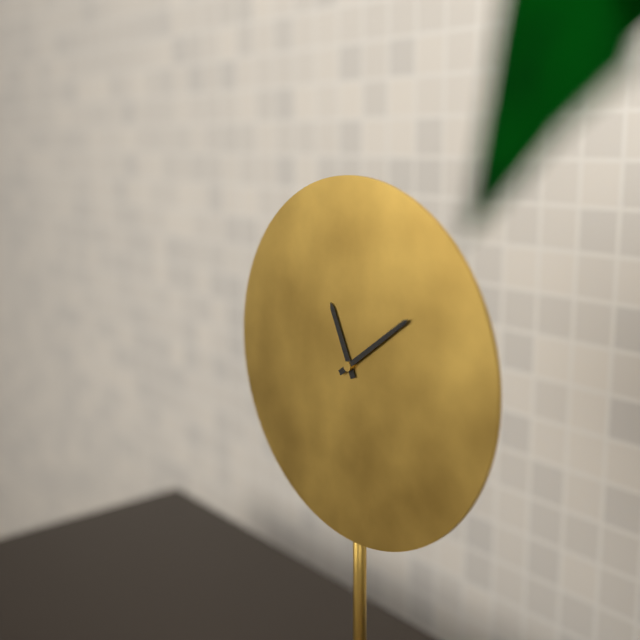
11:09
